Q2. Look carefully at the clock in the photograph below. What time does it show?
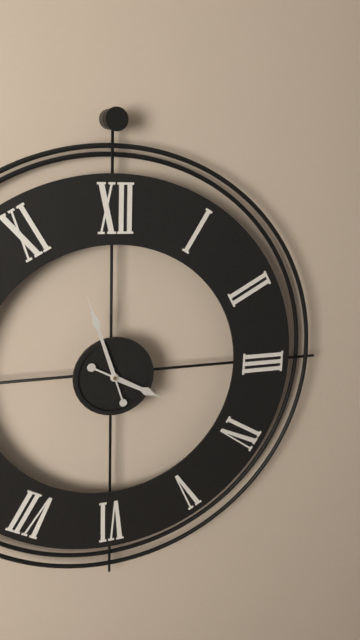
3:57
